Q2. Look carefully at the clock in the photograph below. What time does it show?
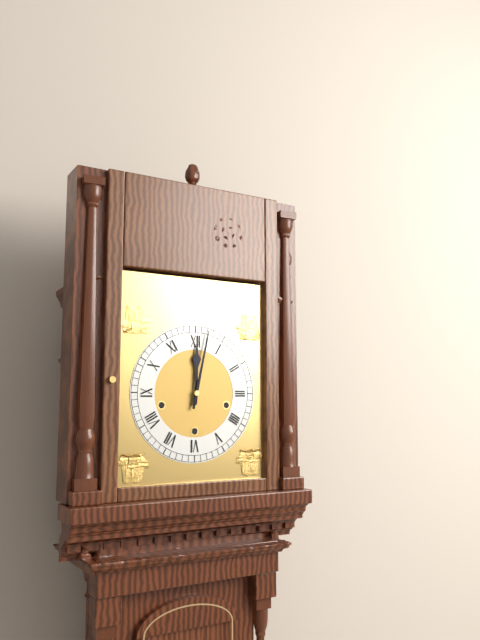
12:02
